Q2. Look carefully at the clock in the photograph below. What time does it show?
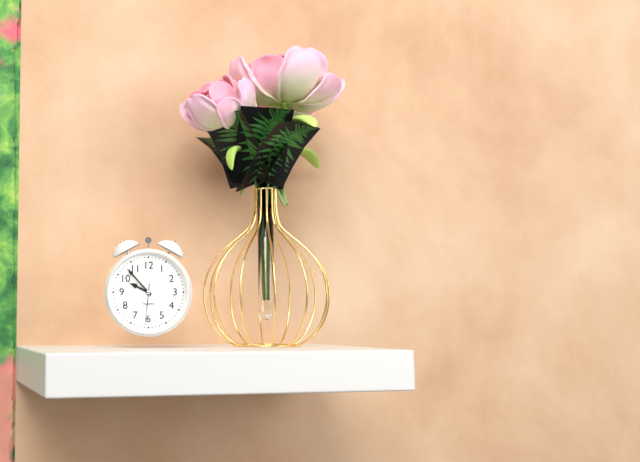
9:53
